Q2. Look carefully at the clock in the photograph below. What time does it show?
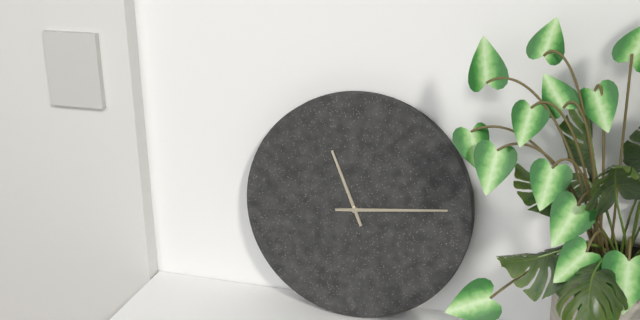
11:14
